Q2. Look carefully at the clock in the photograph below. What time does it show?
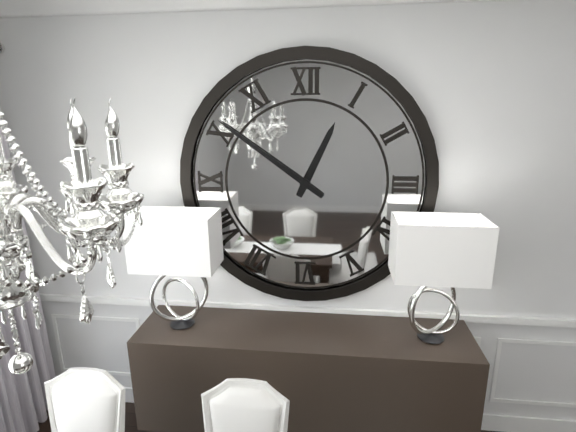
12:51
